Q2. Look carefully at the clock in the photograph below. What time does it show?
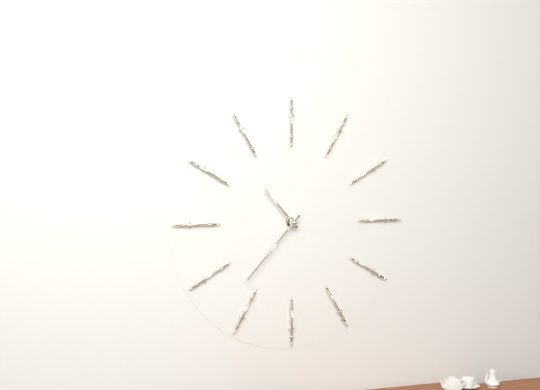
10:37
